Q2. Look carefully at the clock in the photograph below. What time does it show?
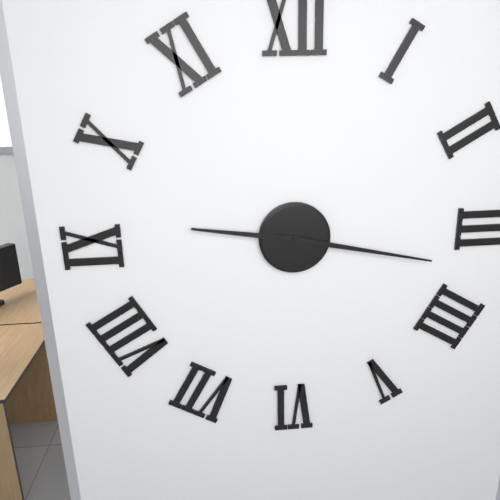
9:17
